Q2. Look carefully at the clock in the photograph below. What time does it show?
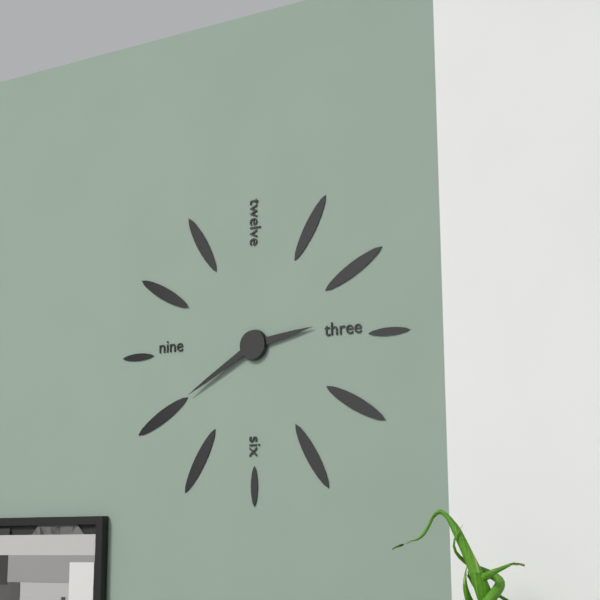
2:40
